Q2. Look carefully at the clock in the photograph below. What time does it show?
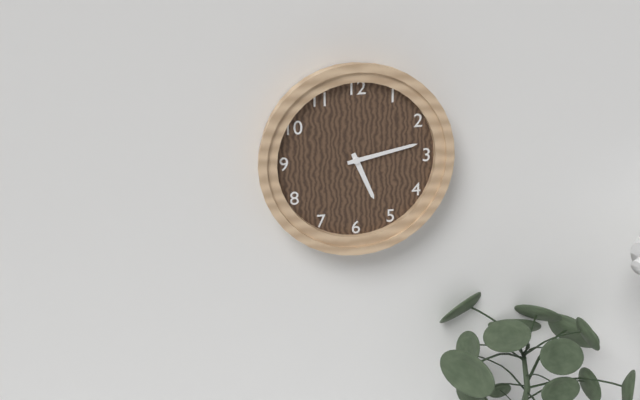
5:13
